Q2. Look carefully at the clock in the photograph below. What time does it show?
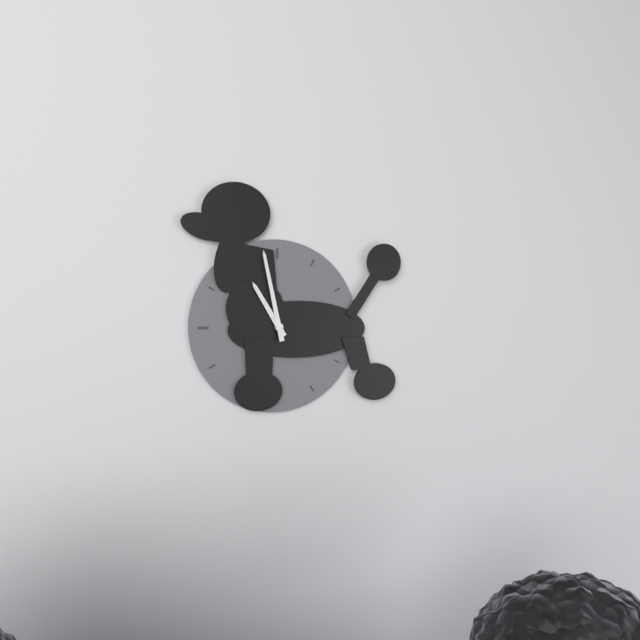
10:58
